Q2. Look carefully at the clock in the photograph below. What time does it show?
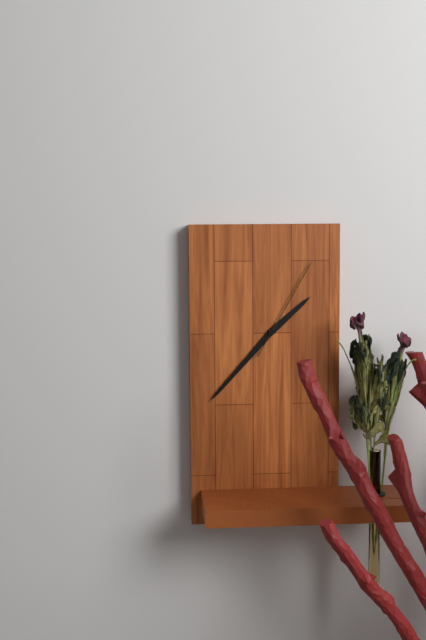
1:37:05
